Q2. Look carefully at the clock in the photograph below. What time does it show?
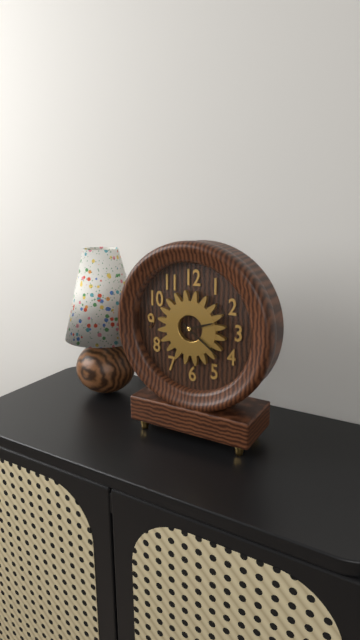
2:21
